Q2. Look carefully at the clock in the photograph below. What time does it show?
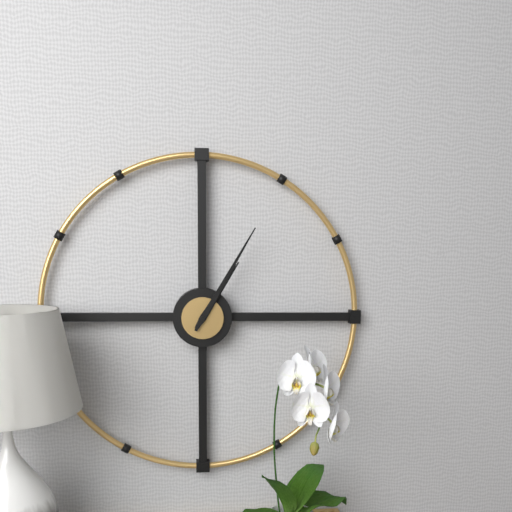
1:05
